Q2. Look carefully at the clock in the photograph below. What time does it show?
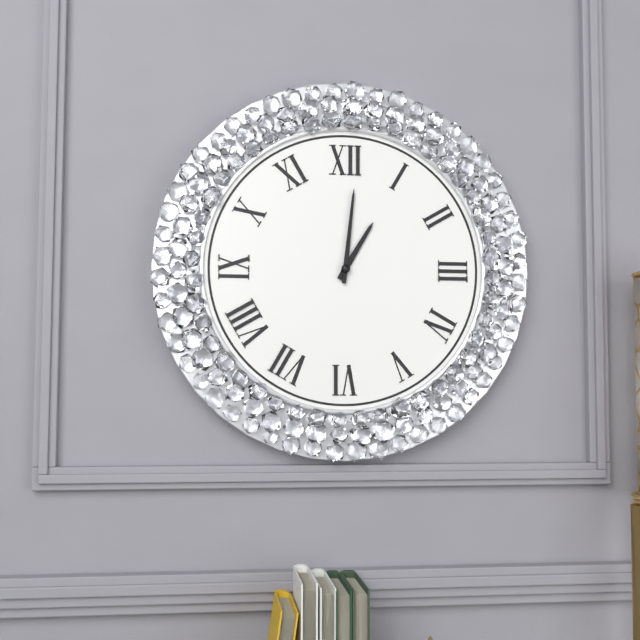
1:01
